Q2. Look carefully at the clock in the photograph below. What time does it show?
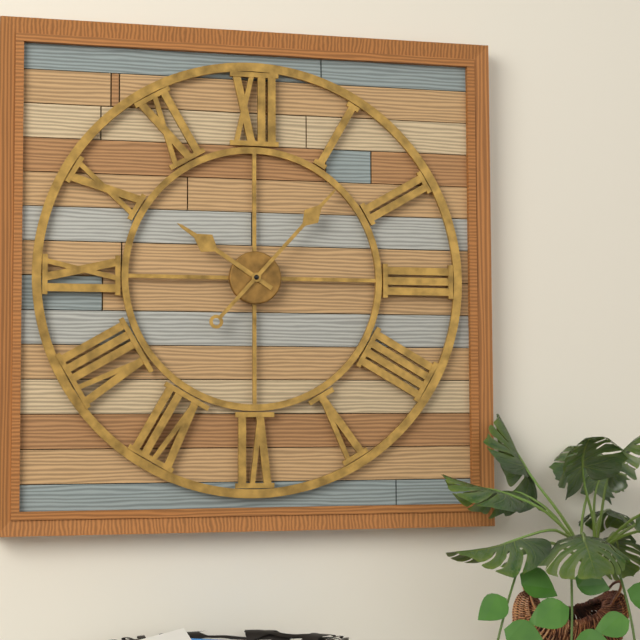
10:07
